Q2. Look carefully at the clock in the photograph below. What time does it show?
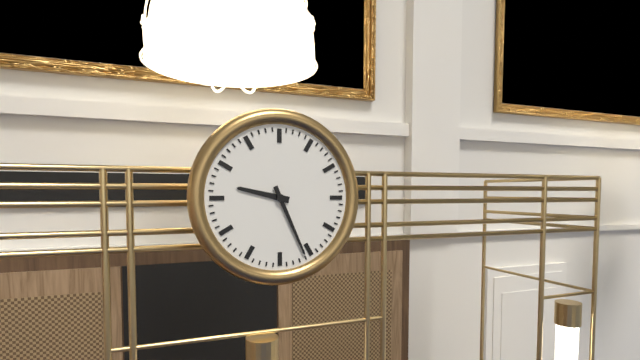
9:26
